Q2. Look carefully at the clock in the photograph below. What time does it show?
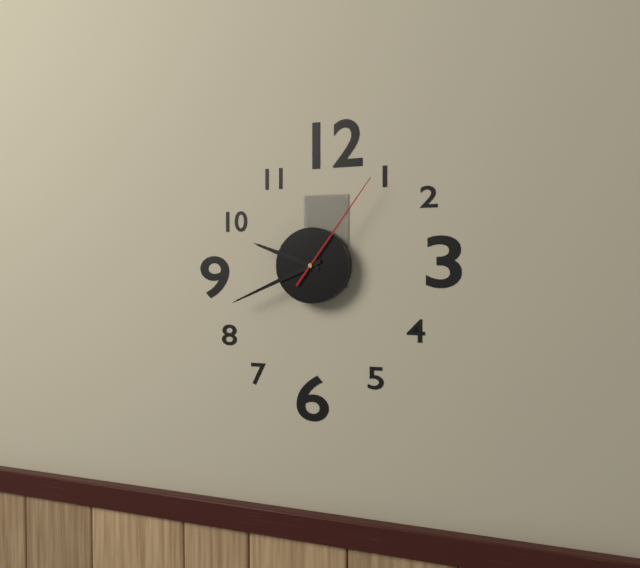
9:41:06
